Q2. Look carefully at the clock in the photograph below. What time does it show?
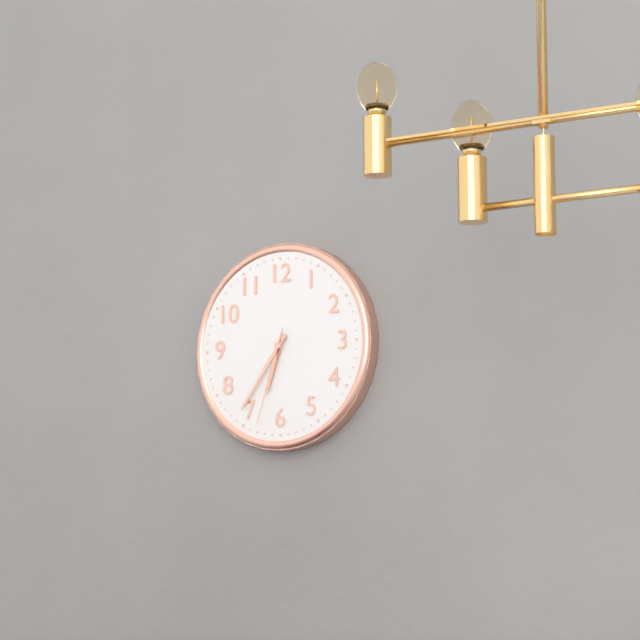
6:36:33
